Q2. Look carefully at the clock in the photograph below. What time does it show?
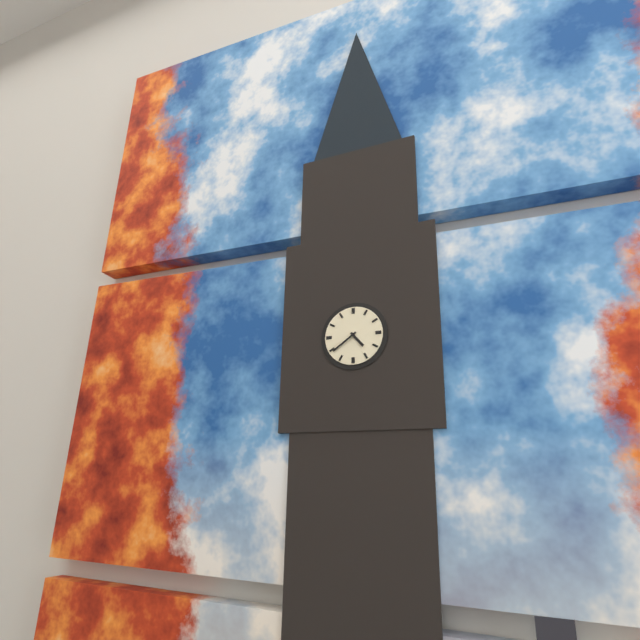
4:39
